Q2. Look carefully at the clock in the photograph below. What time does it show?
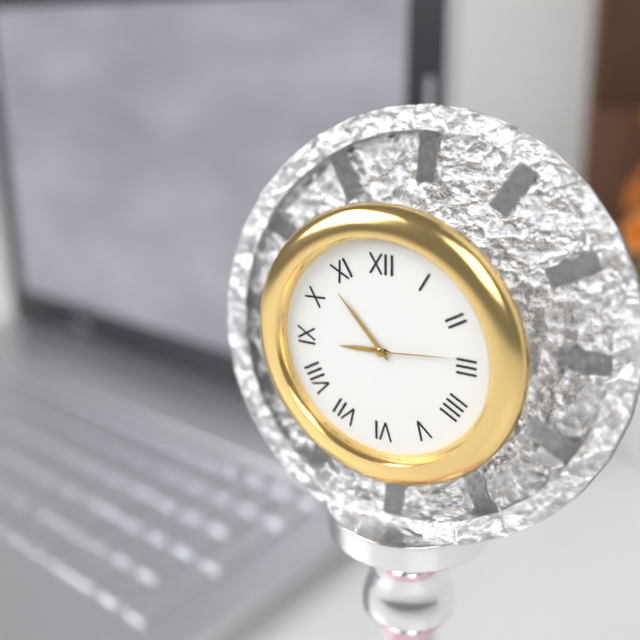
8:53:14
